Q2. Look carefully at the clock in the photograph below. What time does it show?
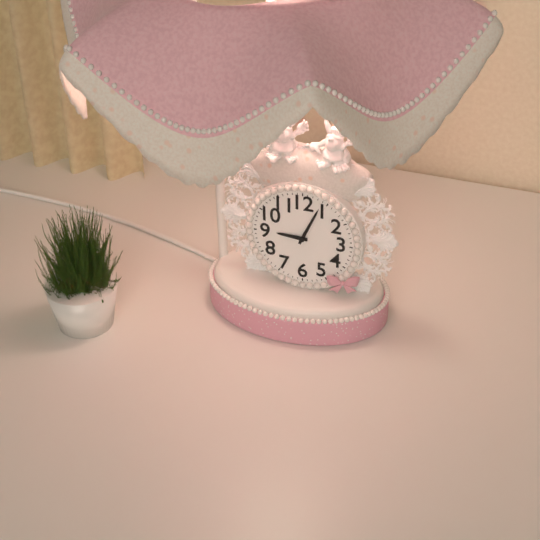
9:04
